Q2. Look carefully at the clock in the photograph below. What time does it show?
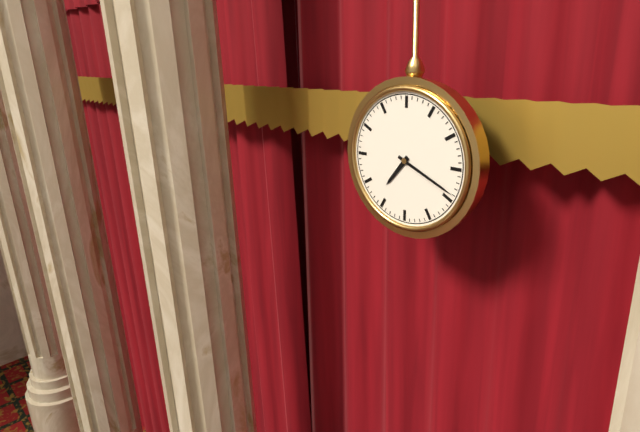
7:19
